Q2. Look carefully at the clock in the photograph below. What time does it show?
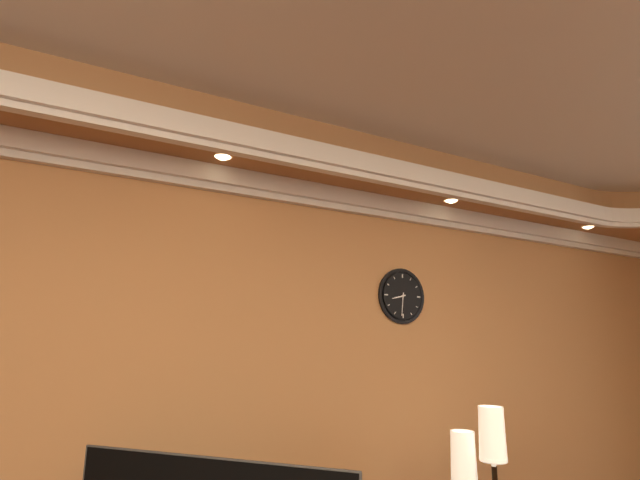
8:31
